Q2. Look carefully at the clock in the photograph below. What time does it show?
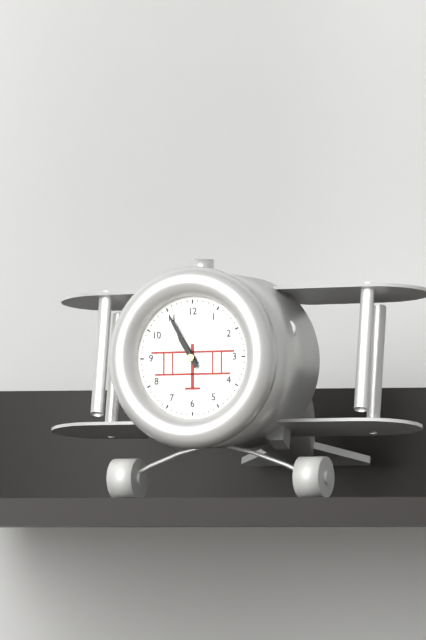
10:55
